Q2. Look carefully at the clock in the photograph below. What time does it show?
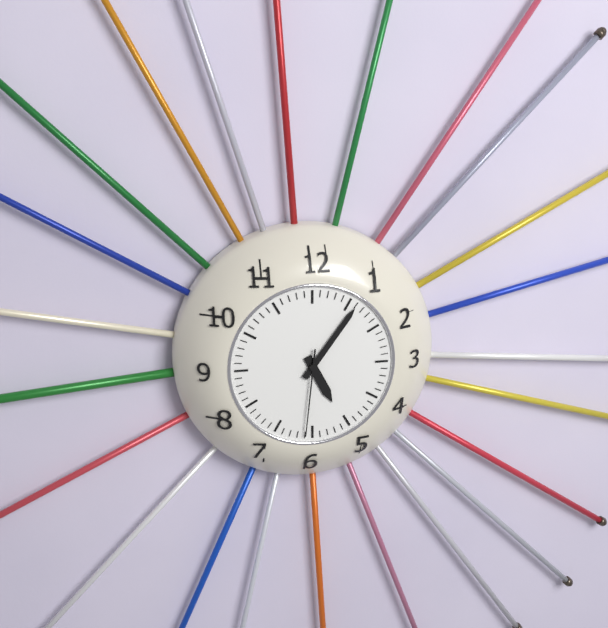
5:06:31
